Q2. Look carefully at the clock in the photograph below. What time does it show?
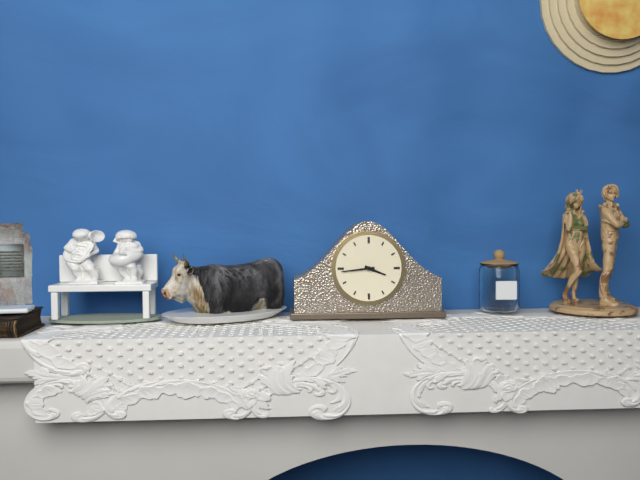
3:44
